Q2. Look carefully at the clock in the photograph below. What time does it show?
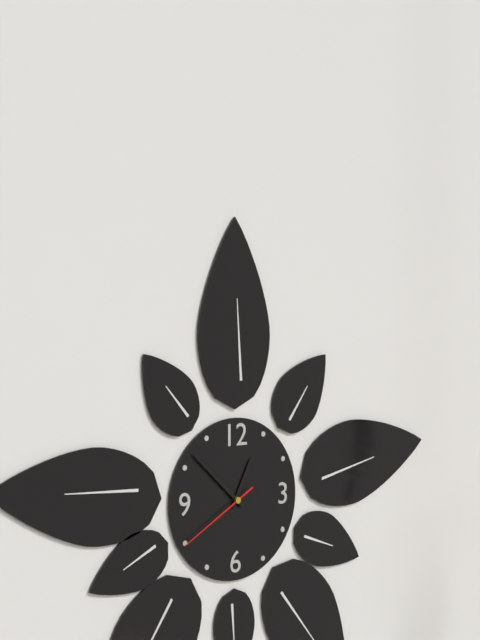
12:52:40
